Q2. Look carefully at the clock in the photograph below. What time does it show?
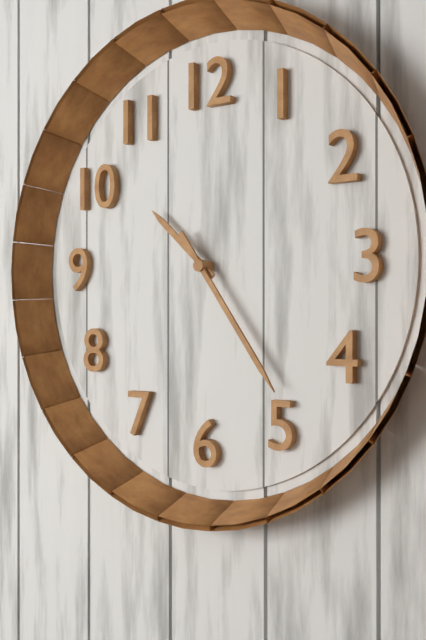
10:24
